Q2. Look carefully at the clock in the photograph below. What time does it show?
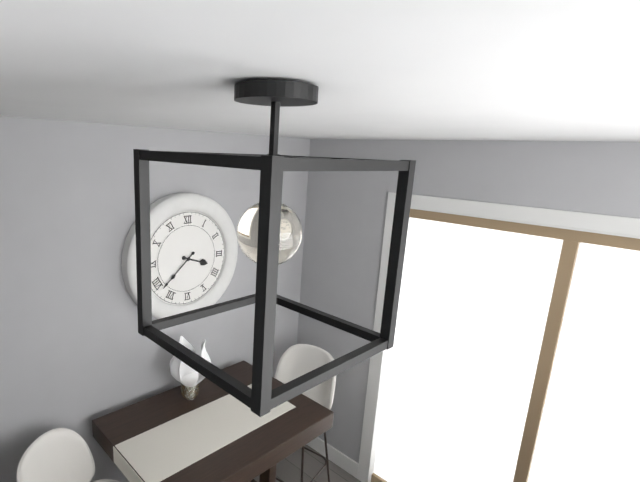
3:38
